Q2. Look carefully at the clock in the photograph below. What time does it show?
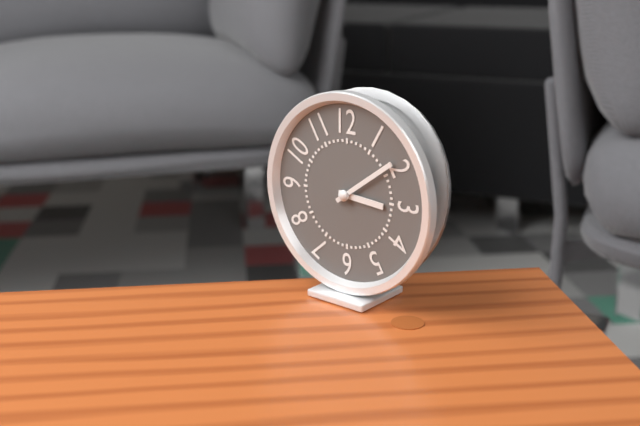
3:09
